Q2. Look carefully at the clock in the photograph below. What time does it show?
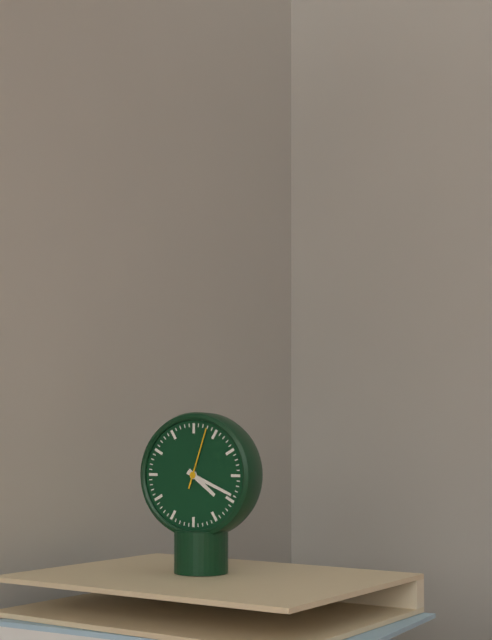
4:19:03
